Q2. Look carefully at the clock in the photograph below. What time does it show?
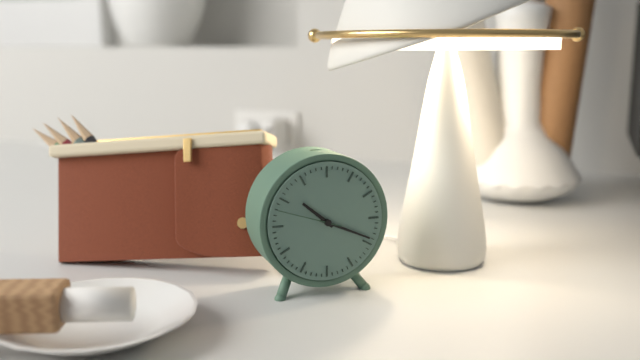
10:19:48
